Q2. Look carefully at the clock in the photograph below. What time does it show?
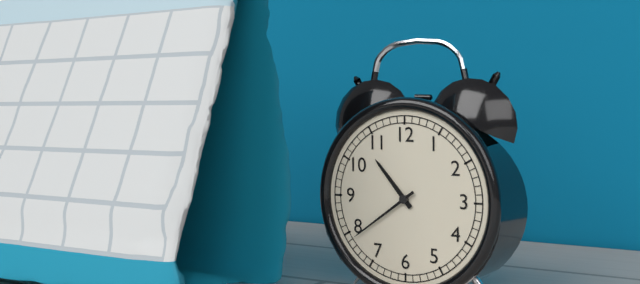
10:39
